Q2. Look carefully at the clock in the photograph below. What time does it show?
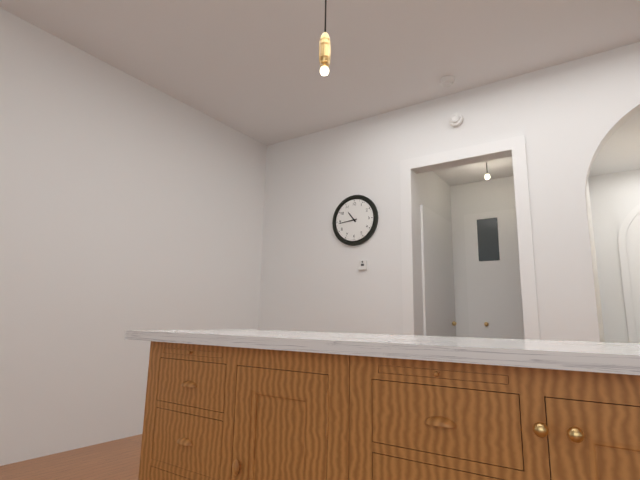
10:44
